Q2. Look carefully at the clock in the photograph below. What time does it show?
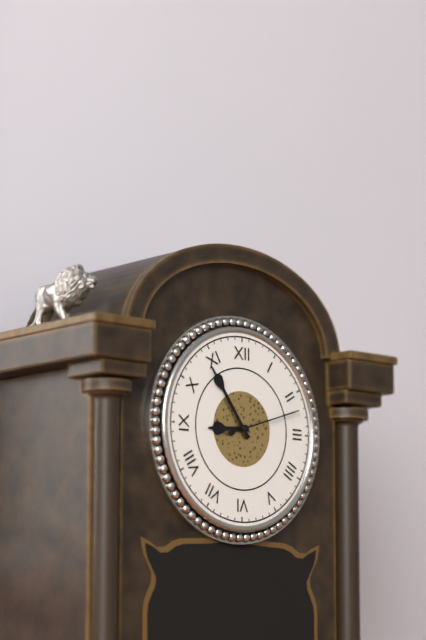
8:54:12
